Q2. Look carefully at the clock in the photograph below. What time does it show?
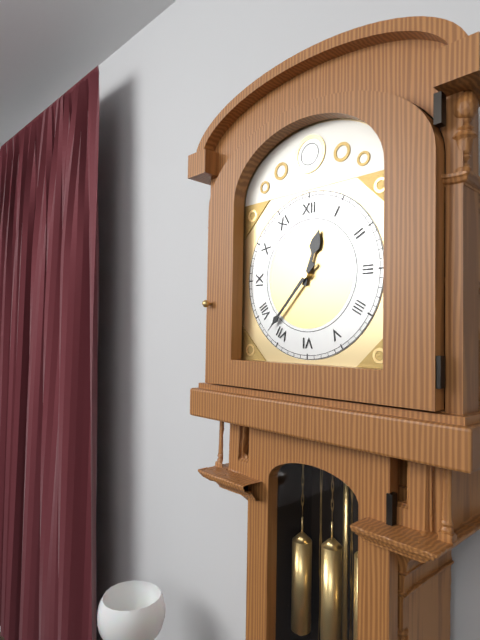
12:37
